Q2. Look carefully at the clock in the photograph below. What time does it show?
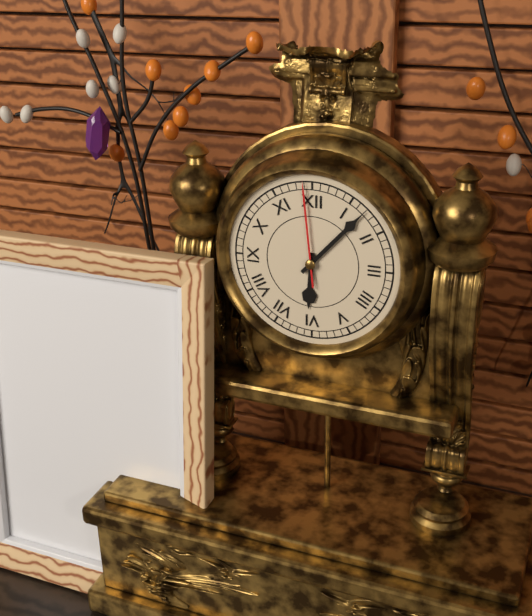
6:07:59
